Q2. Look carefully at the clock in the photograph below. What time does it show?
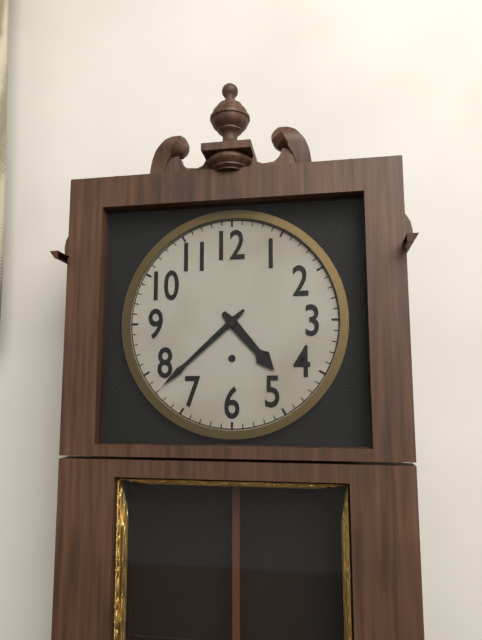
4:38
